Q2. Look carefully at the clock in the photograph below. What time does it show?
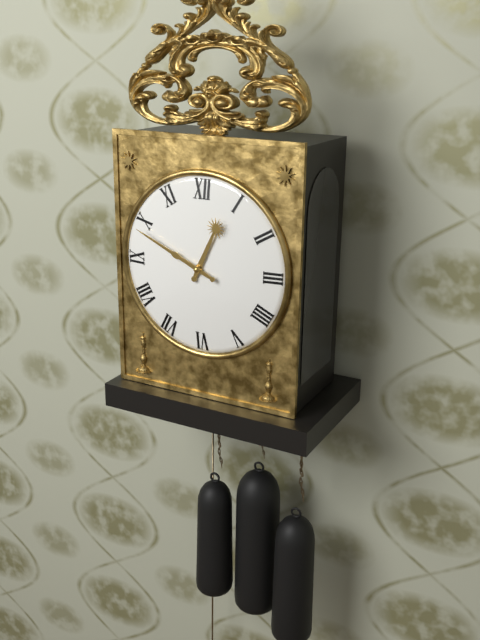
12:49
